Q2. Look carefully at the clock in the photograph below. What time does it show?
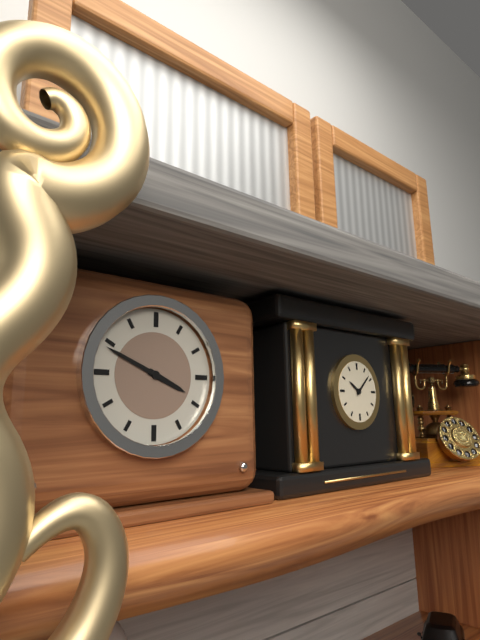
3:49
